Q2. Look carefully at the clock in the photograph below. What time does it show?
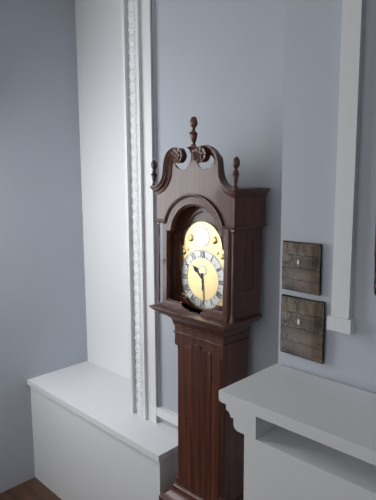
10:29
